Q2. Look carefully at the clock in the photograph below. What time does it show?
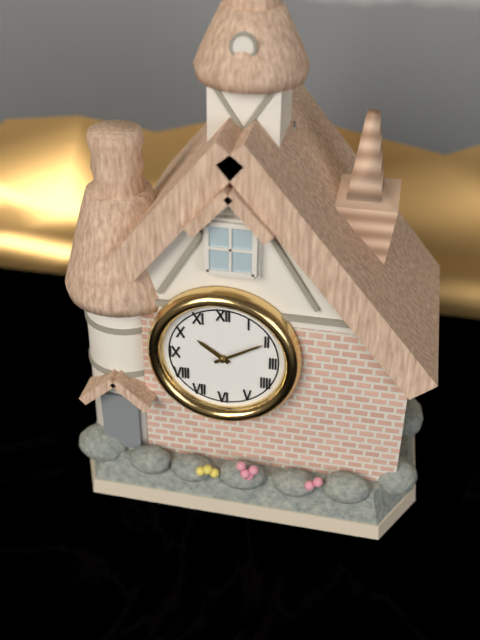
10:10
